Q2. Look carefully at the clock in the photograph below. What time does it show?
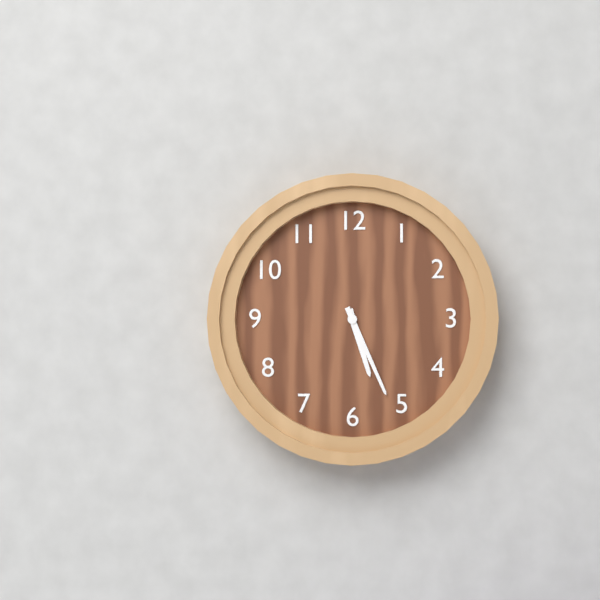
5:26
